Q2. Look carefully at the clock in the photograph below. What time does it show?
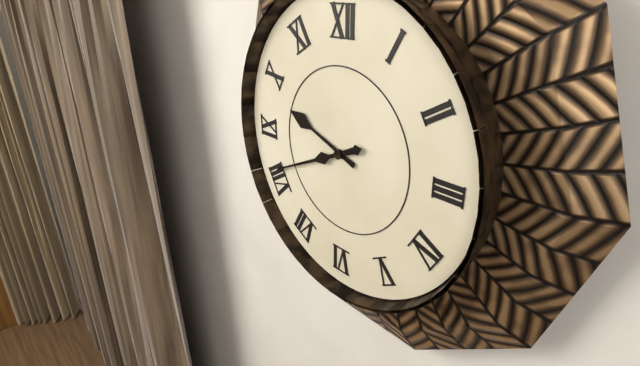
9:41
